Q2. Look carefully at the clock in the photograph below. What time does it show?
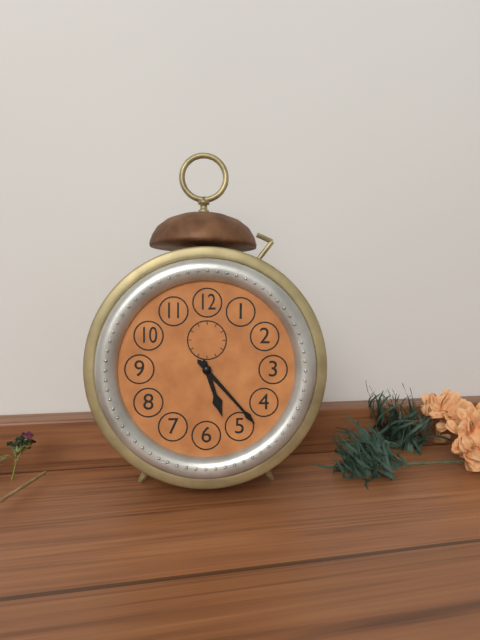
5:23
